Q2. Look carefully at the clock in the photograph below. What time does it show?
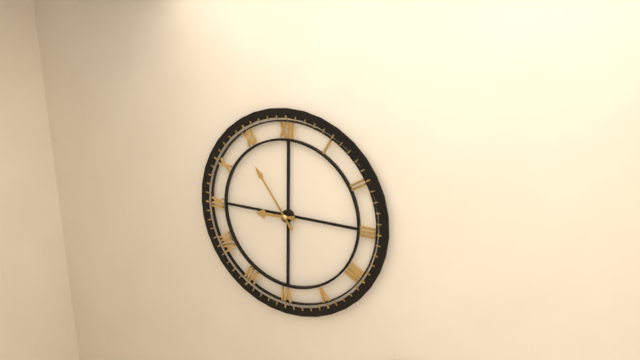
8:54
